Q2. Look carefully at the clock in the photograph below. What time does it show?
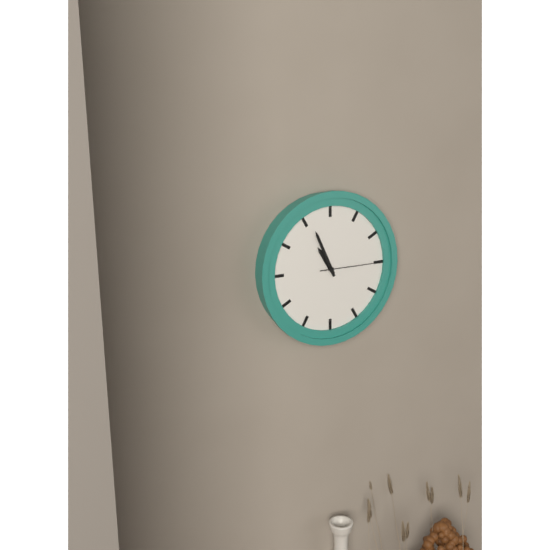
10:56:15
